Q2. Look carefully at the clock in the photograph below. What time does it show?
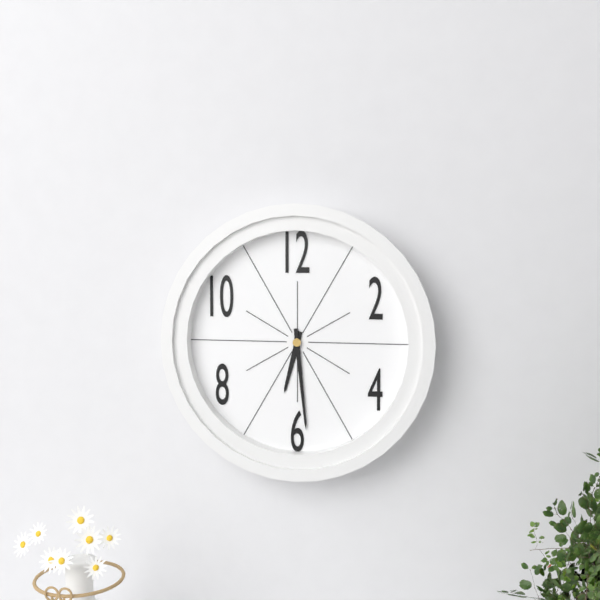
6:29
